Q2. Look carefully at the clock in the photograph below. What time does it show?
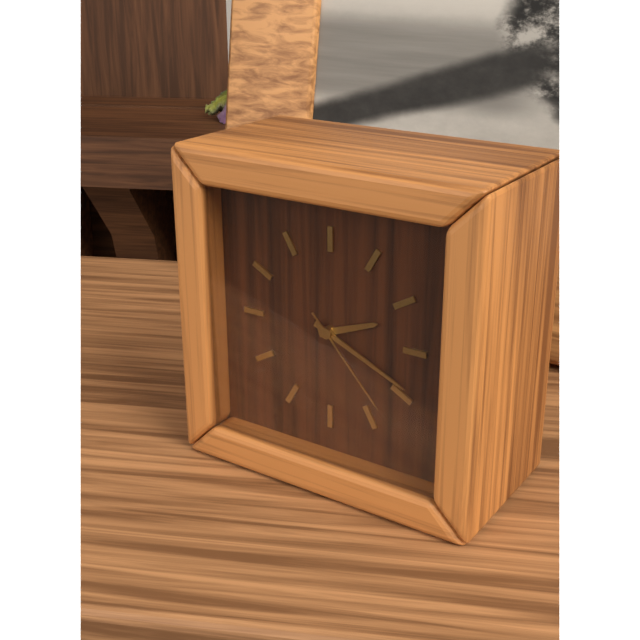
2:19:23
